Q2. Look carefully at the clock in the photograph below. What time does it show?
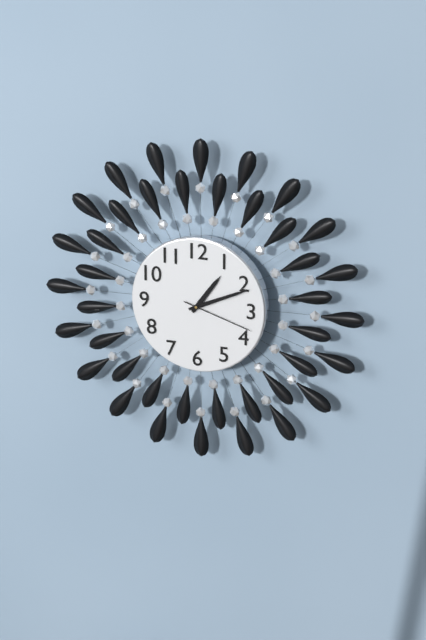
1:11:18
